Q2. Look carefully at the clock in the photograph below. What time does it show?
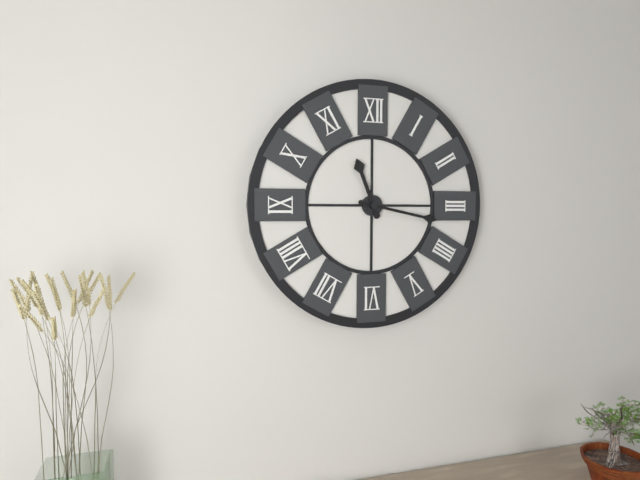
11:17
